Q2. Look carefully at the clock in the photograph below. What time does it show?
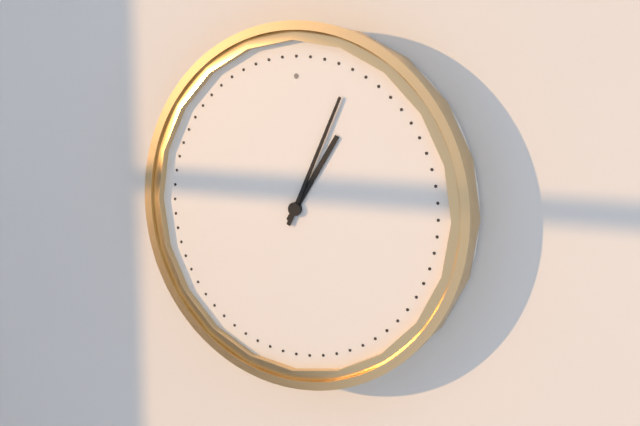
1:04
